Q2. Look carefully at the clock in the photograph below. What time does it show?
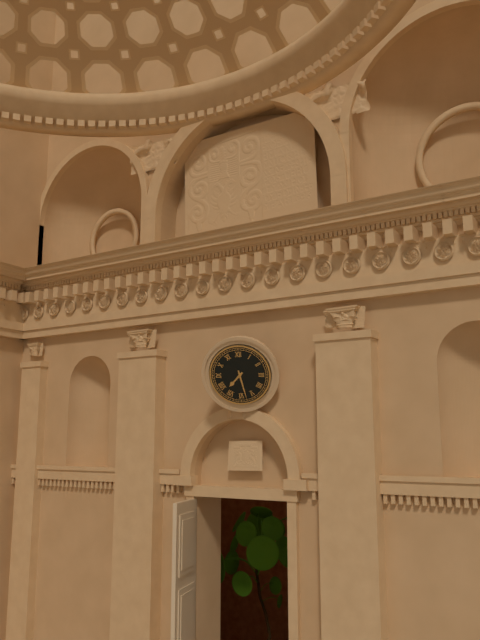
7:28
